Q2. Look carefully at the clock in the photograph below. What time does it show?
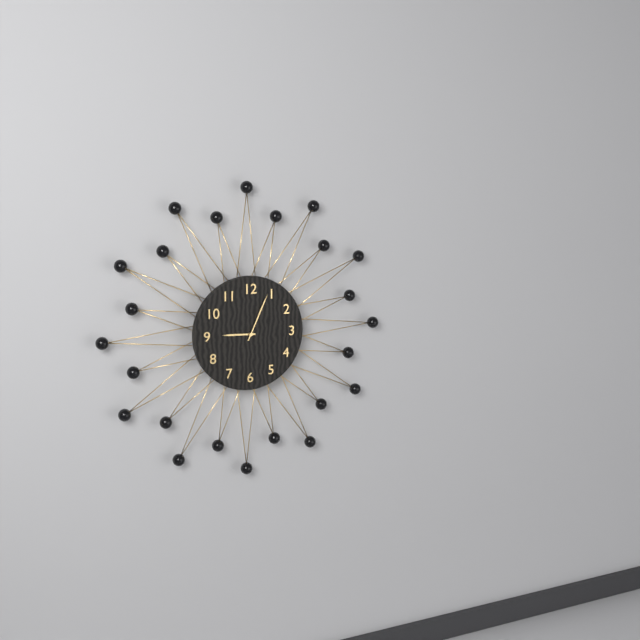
9:04
